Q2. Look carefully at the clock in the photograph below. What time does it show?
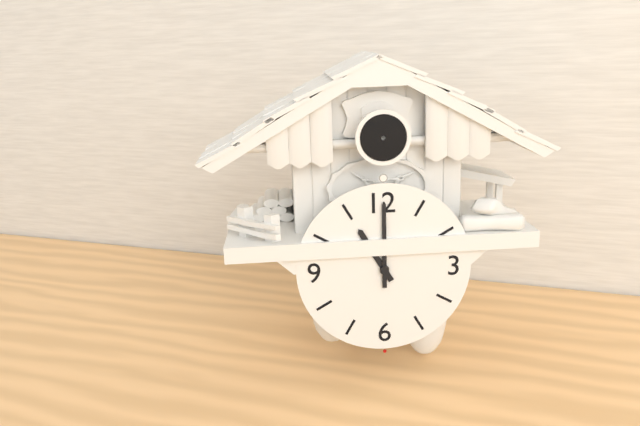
11:00
